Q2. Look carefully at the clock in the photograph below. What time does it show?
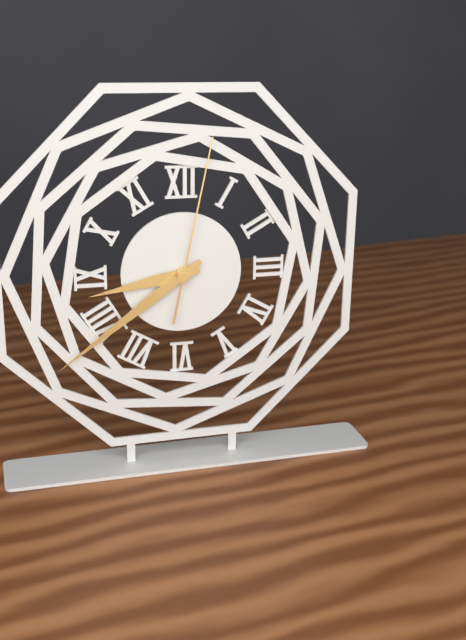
8:39:02
